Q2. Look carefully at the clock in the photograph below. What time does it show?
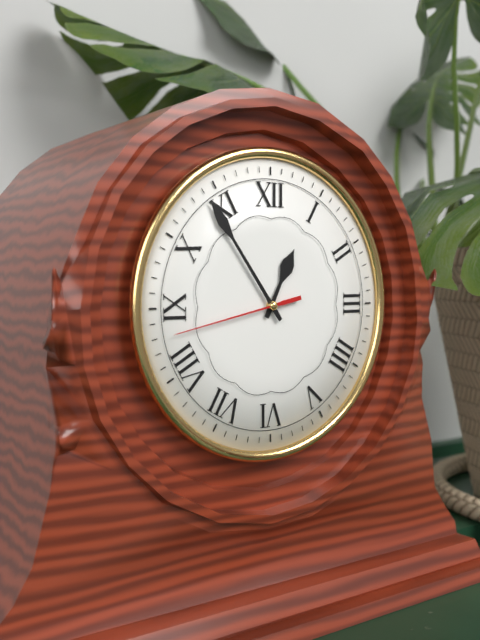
12:54:43
